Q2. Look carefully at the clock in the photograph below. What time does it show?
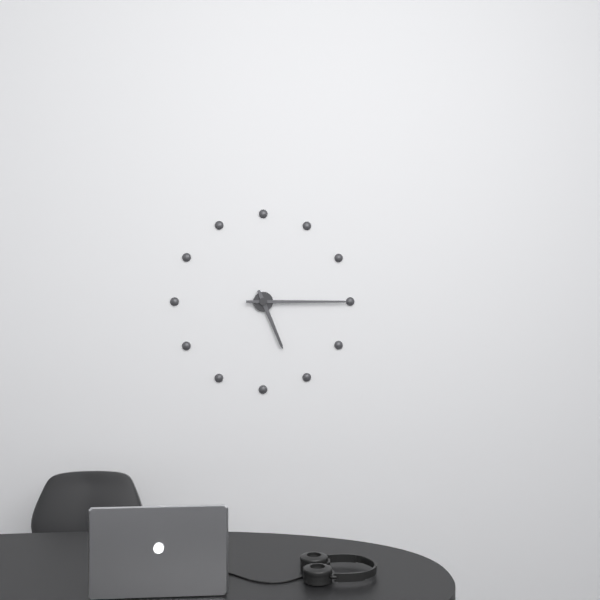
5:15
